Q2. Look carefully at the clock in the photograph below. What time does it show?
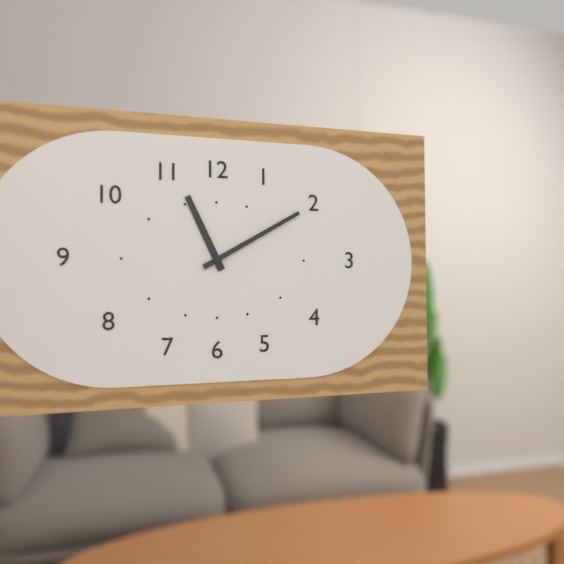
11:10
